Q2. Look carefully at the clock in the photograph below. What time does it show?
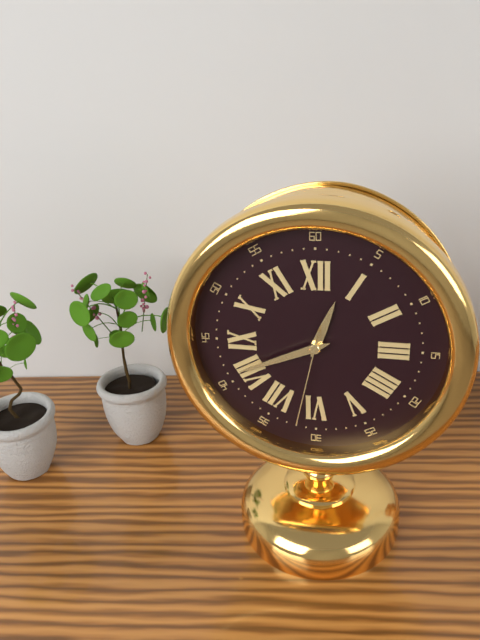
12:41:32
